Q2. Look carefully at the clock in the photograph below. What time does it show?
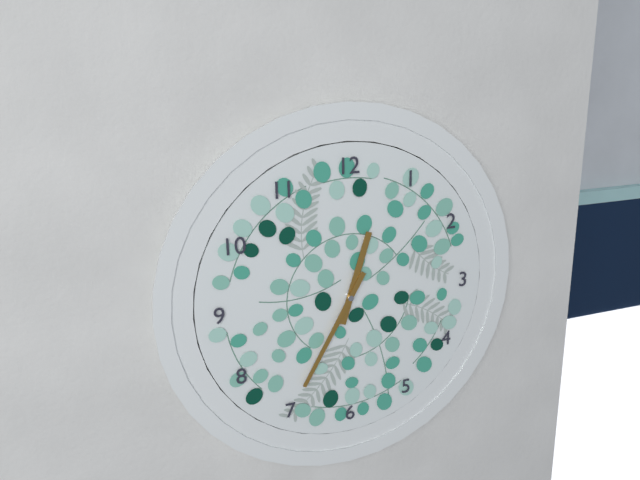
12:35
